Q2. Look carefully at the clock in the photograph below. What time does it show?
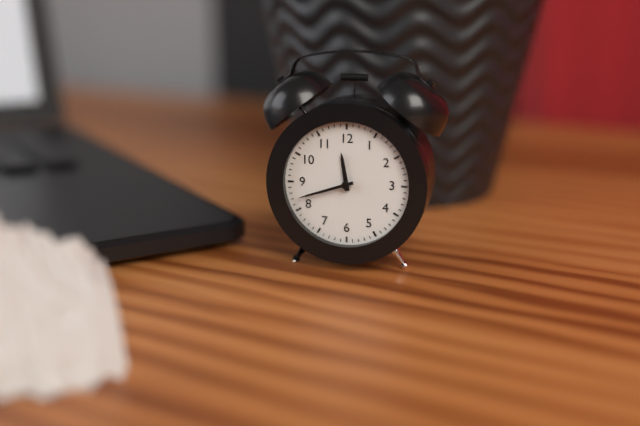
11:42
